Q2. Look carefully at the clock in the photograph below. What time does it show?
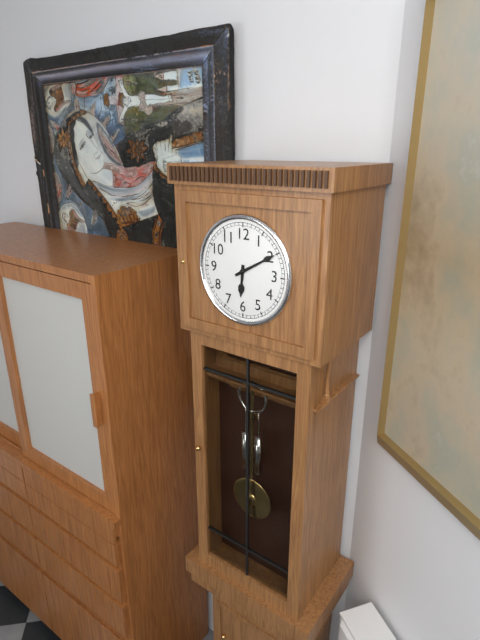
6:10
